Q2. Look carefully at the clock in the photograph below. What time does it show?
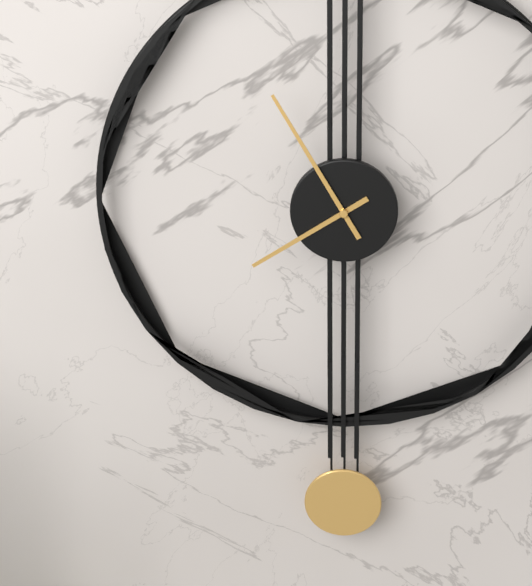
7:55
